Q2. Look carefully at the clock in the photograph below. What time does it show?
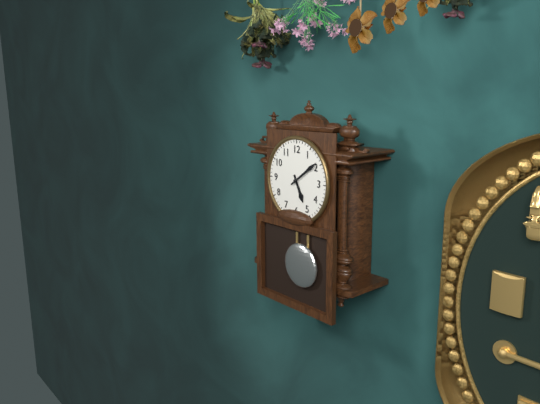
5:09
